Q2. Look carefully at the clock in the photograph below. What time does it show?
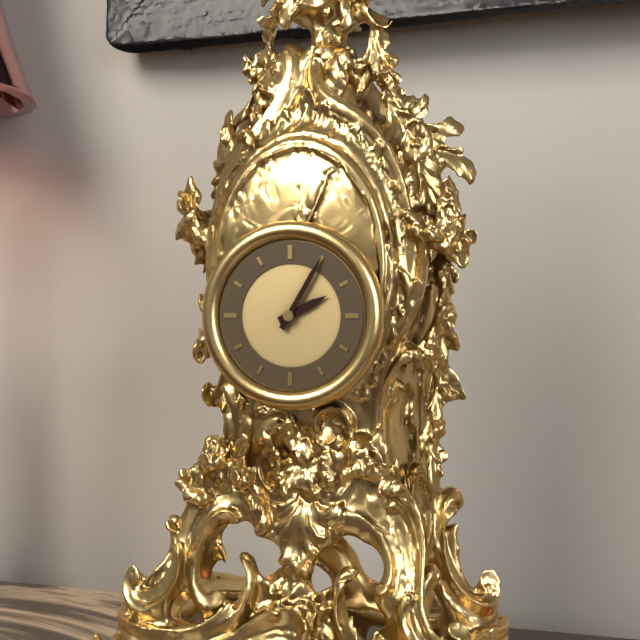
2:05
